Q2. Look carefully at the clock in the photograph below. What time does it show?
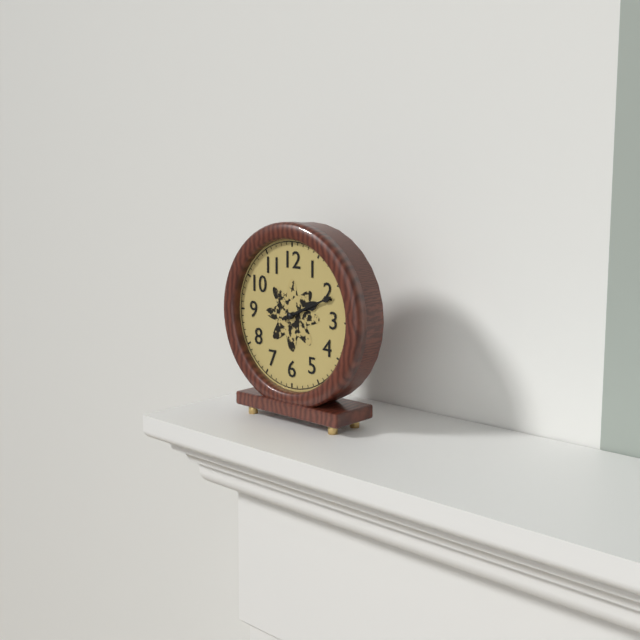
2:11
